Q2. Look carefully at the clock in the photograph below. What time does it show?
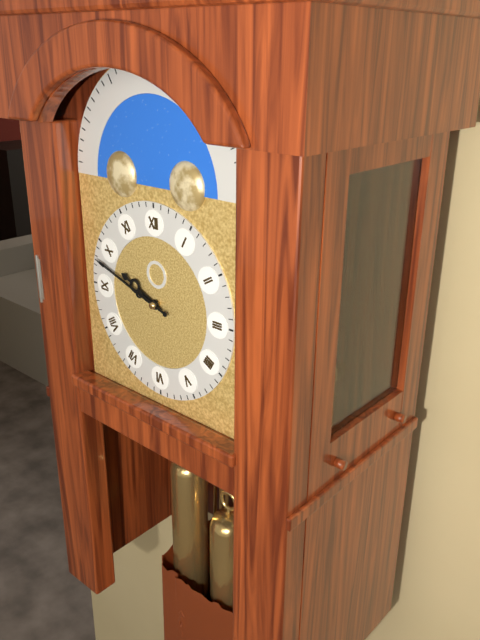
9:48
